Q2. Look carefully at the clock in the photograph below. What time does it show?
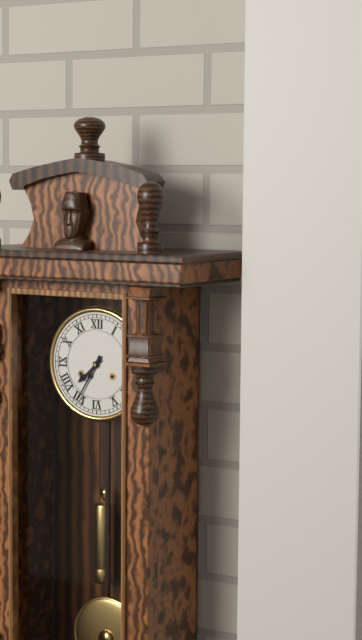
7:35
